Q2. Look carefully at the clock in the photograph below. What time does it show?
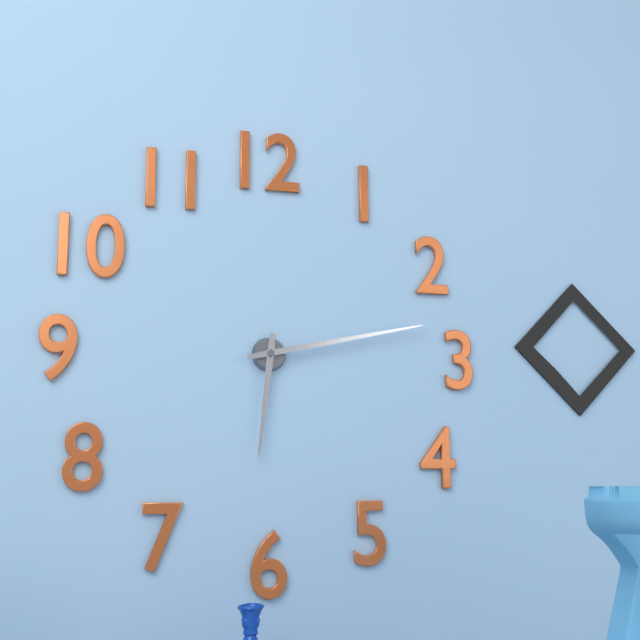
6:13
